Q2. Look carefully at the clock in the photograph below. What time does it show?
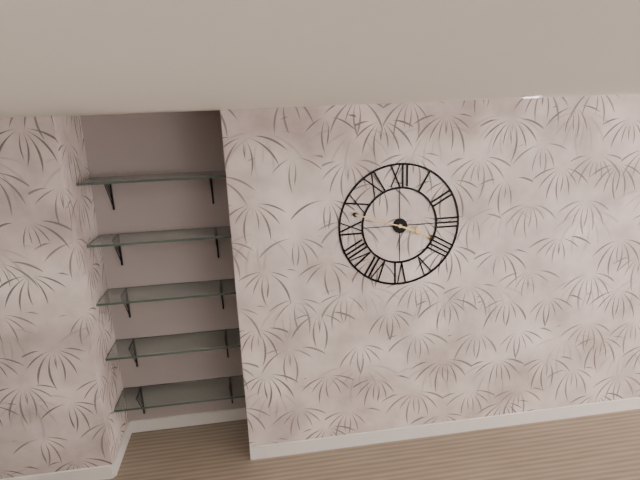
3:48
